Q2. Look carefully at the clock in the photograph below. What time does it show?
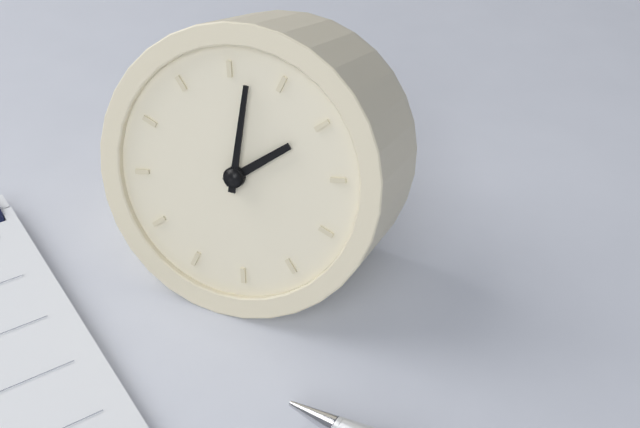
2:02
